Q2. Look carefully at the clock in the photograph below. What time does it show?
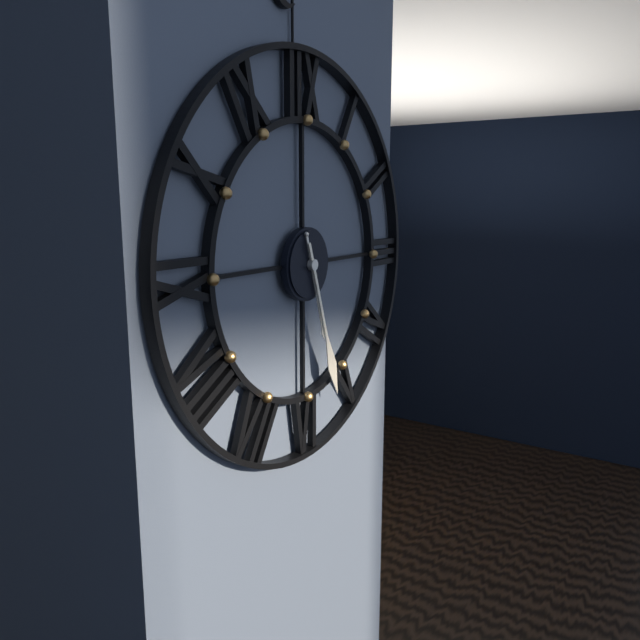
5:27
